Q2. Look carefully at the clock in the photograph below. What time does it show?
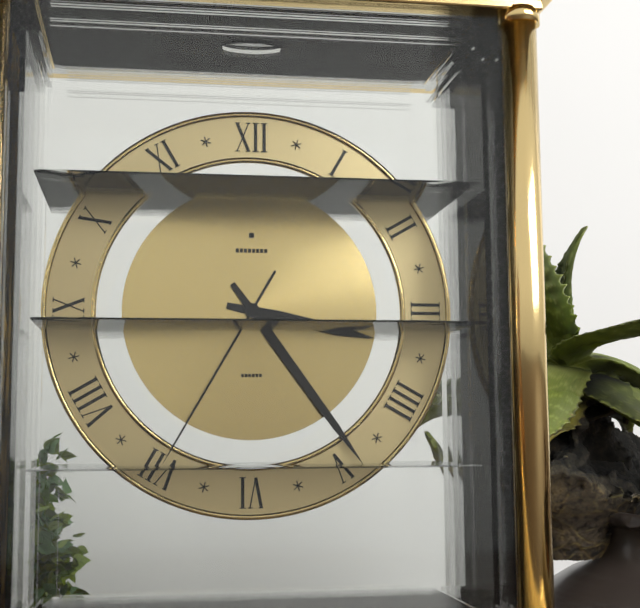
3:24:35
